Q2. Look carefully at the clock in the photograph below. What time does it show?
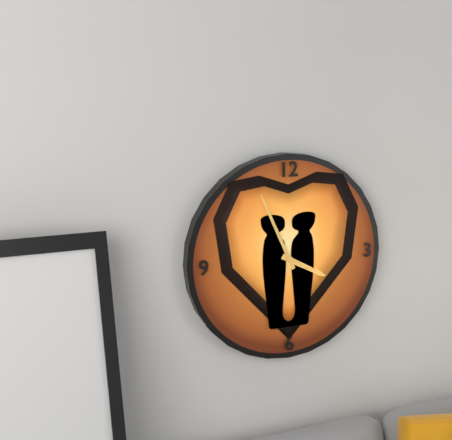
3:56
